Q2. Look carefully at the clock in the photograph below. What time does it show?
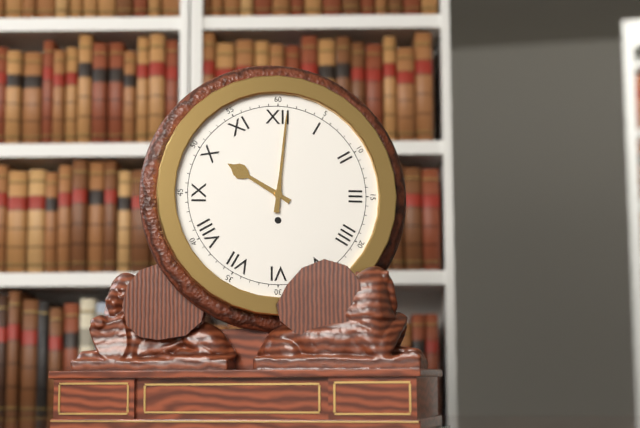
10:01
